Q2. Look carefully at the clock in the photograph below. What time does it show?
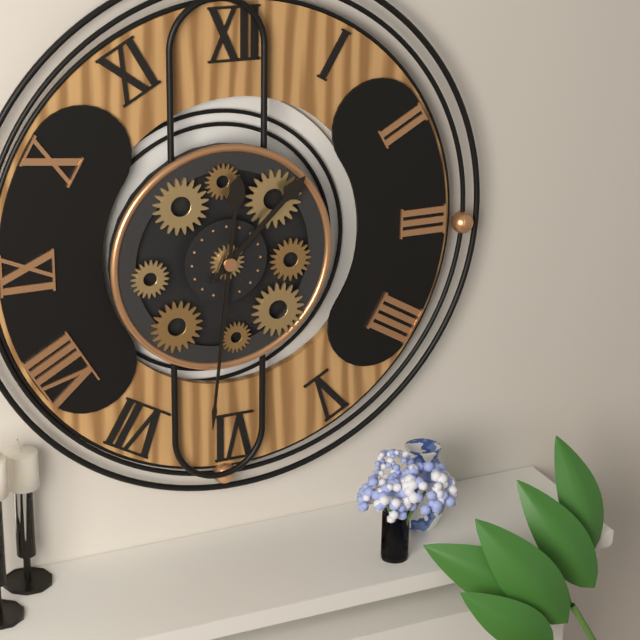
1:31
